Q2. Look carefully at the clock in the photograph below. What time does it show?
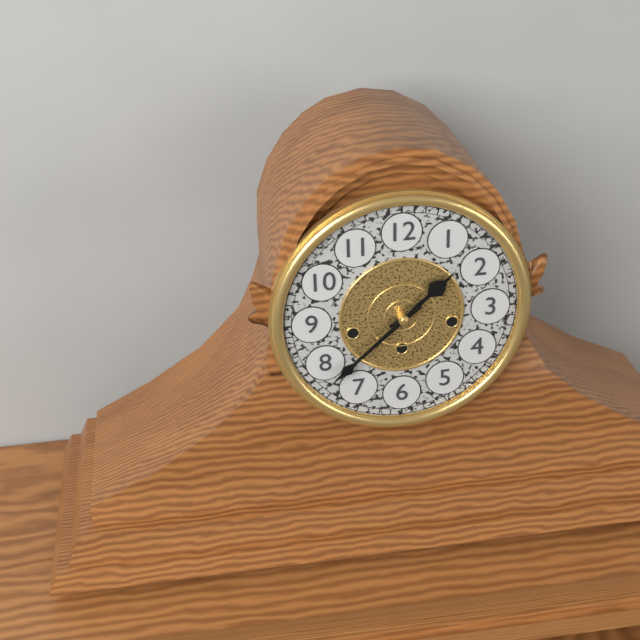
1:38
